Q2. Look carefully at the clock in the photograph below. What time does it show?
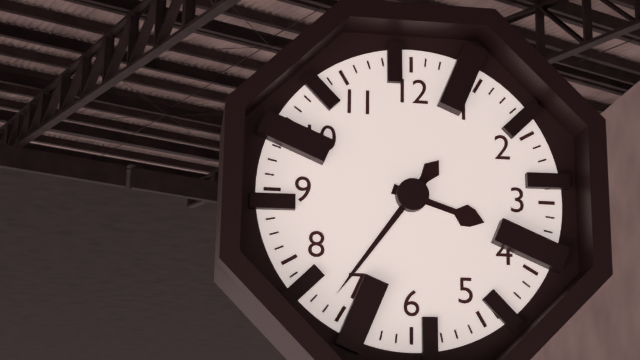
3:36
